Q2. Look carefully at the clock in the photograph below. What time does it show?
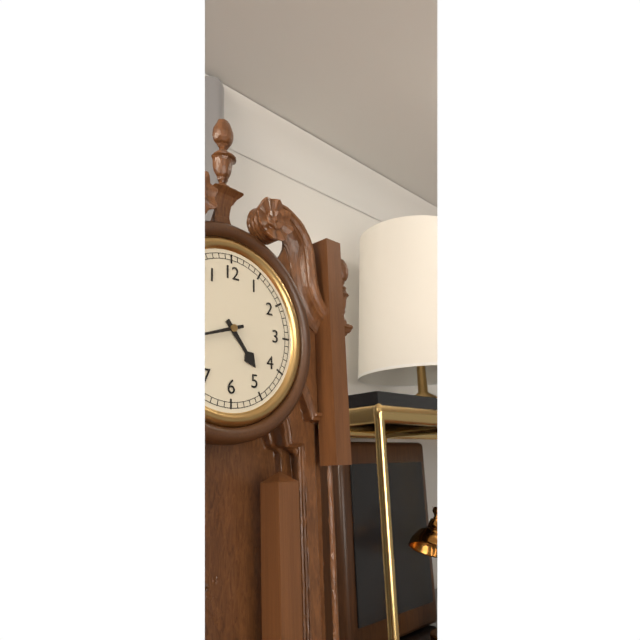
4:42
